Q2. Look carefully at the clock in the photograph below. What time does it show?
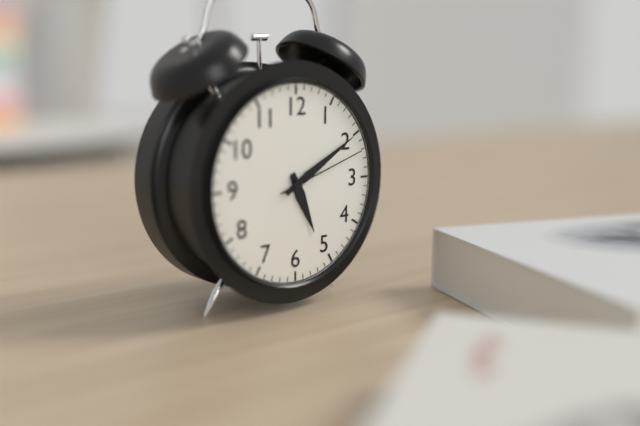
5:10:12
